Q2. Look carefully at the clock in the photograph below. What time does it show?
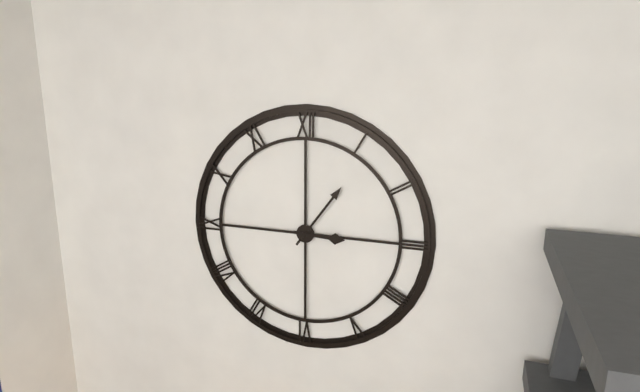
3:06
